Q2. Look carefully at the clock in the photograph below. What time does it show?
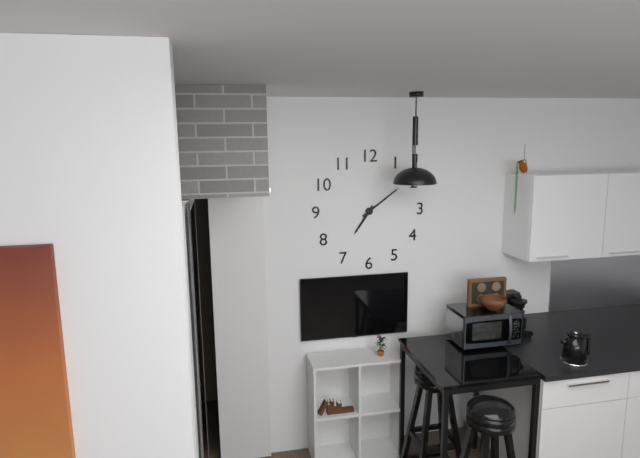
7:09
